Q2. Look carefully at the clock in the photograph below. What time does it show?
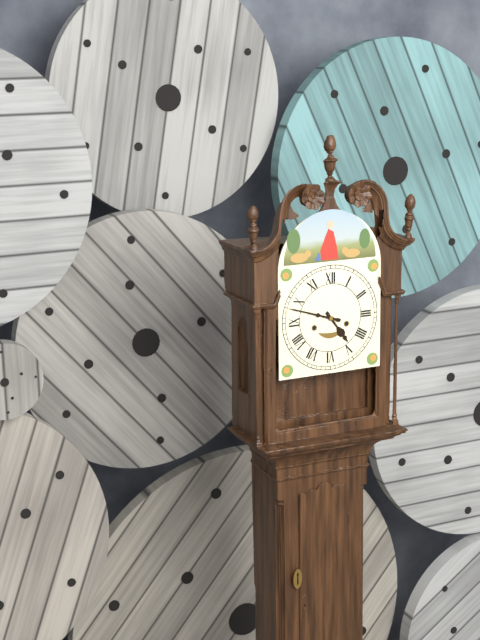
4:48
